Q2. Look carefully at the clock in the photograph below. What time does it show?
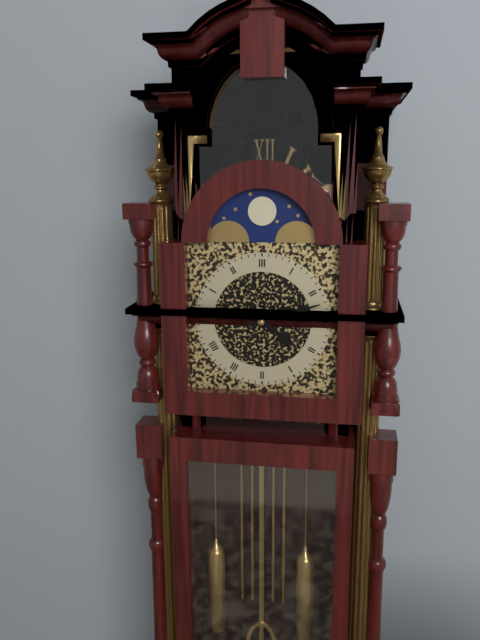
4:12
